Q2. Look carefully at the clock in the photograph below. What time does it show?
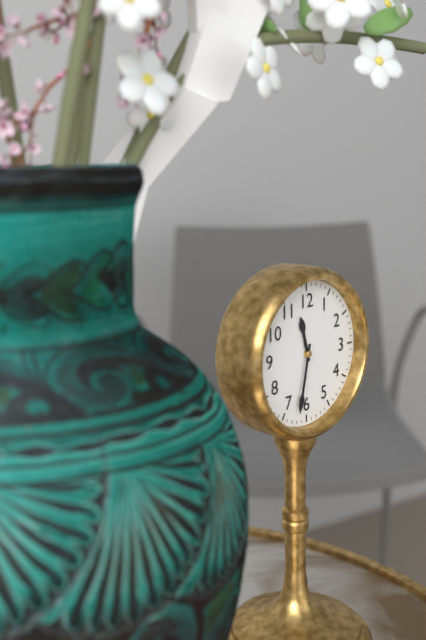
11:32
